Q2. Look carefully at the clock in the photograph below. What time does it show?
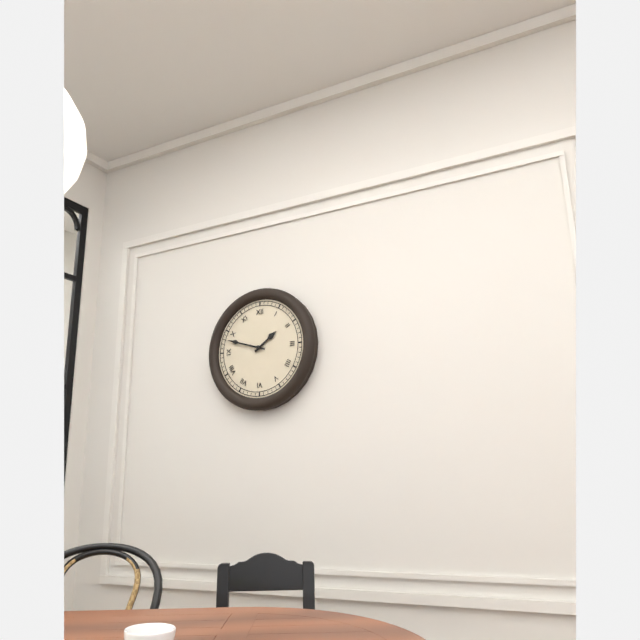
1:48
